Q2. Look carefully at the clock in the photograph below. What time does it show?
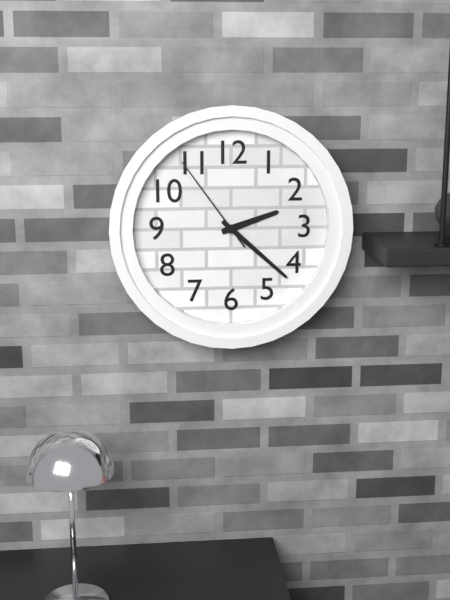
2:22:54
